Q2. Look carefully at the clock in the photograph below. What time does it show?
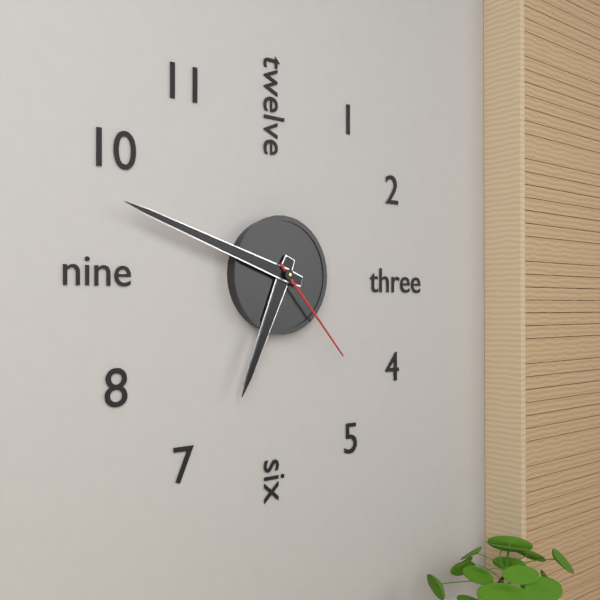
6:48:23
